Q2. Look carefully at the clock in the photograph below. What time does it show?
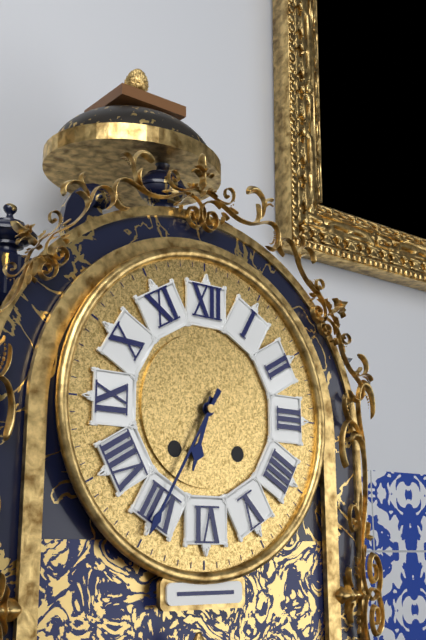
6:35
